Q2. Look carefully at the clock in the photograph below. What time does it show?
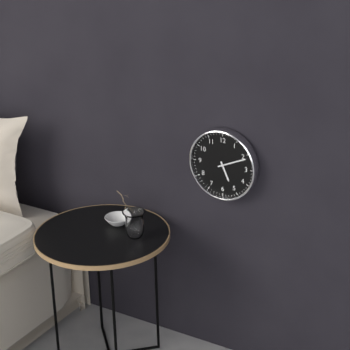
5:11
